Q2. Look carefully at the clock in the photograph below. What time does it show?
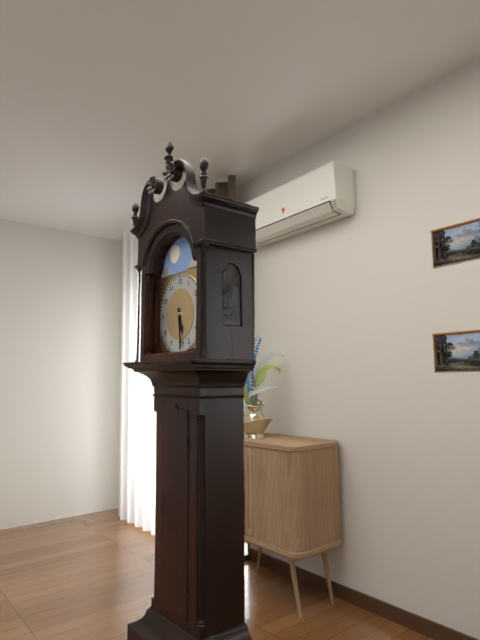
5:29
